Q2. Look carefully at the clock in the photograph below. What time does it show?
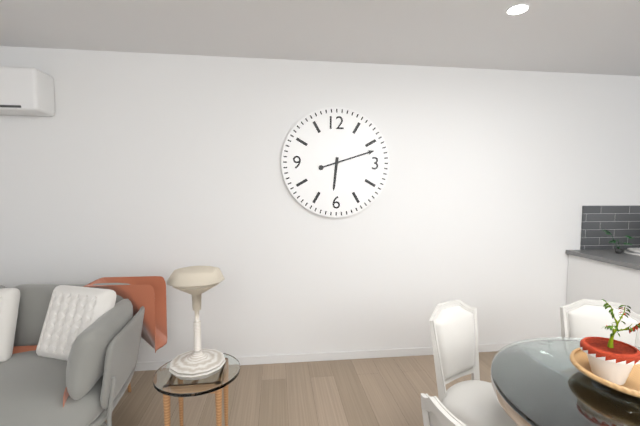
6:12
